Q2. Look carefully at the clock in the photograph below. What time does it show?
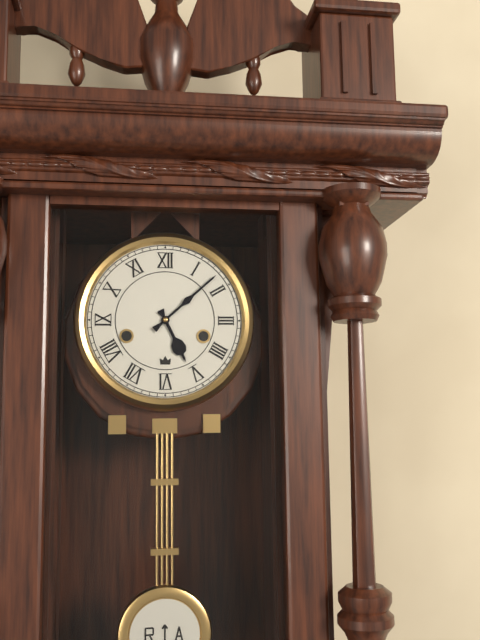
5:08
